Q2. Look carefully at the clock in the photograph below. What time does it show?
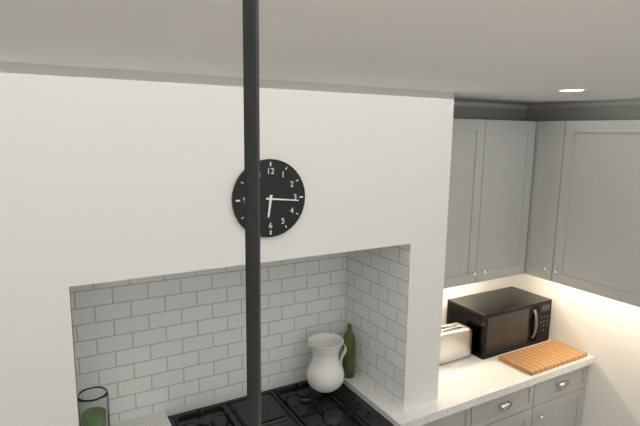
6:16
